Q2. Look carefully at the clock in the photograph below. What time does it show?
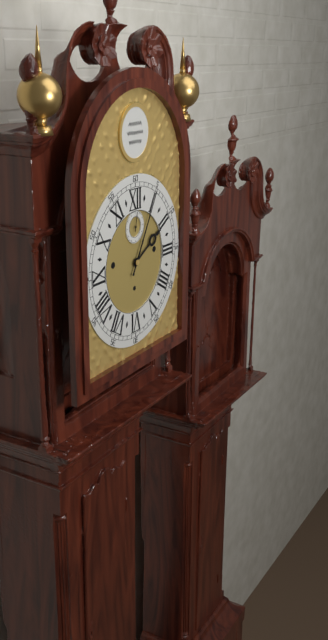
2:05
